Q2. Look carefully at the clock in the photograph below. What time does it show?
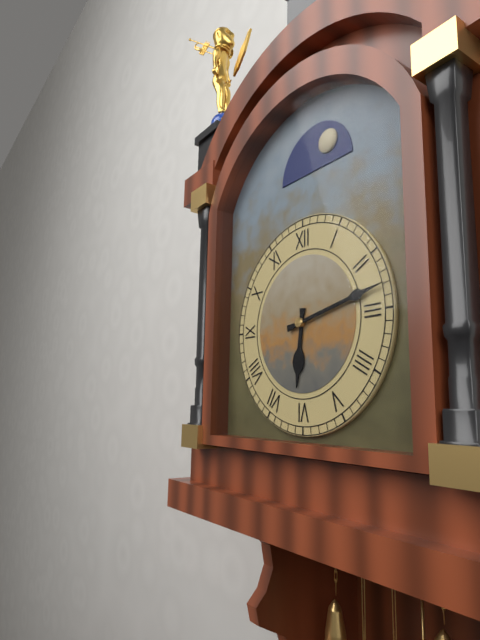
6:13
